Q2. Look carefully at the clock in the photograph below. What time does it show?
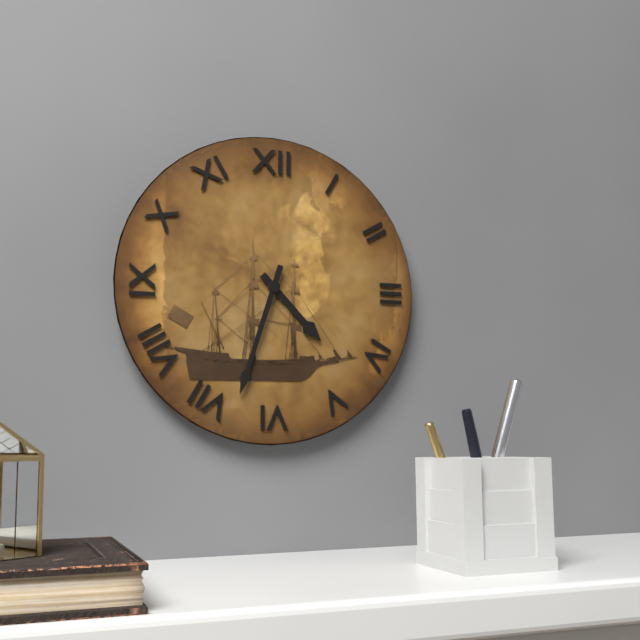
4:33
